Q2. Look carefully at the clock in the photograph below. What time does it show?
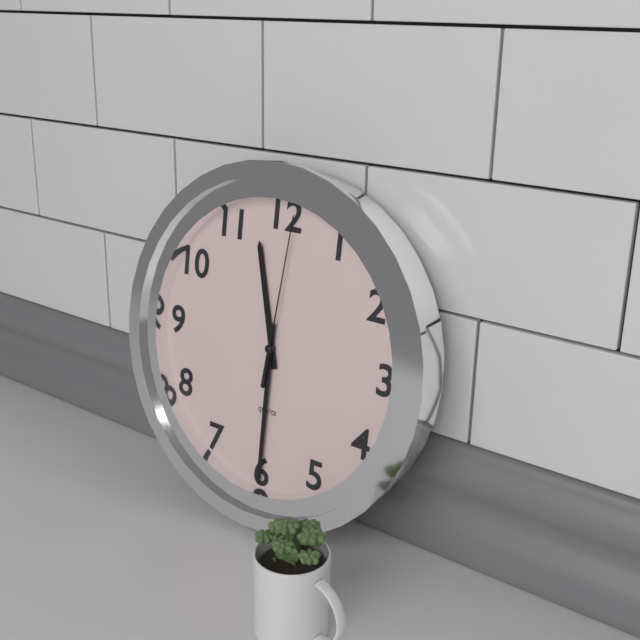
11:30:01
